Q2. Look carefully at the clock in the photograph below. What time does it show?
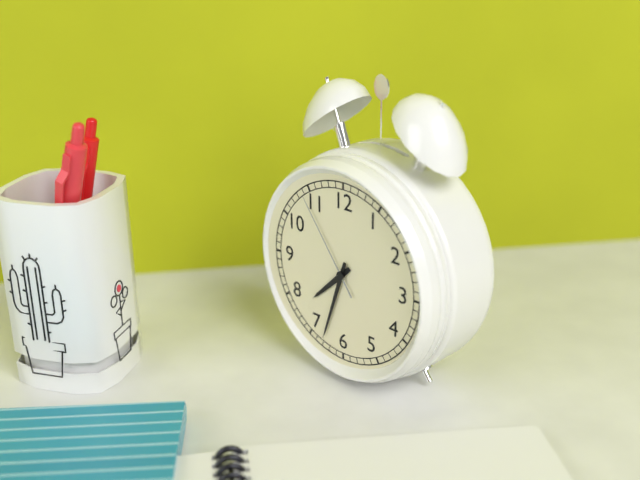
7:33:54
